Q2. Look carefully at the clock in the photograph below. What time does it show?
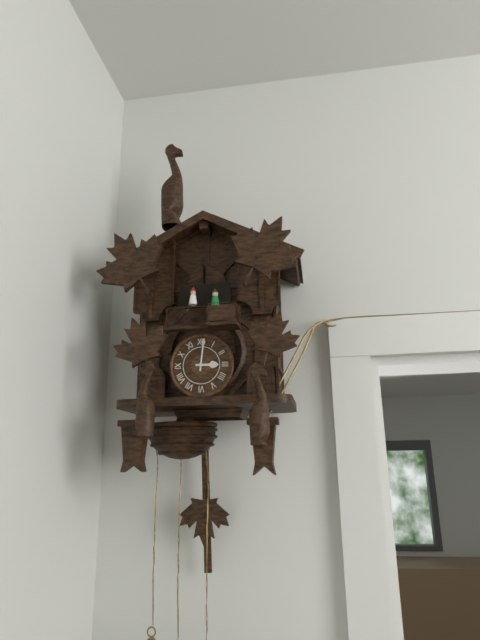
3:01
